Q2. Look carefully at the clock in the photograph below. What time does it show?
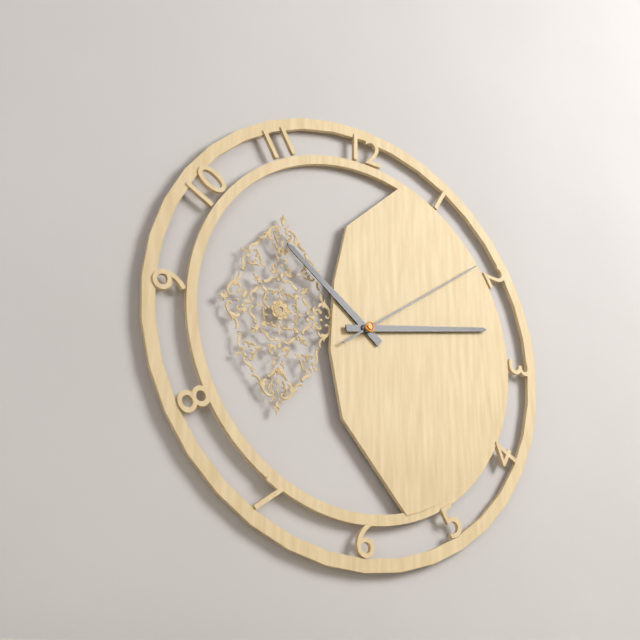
10:13:09
